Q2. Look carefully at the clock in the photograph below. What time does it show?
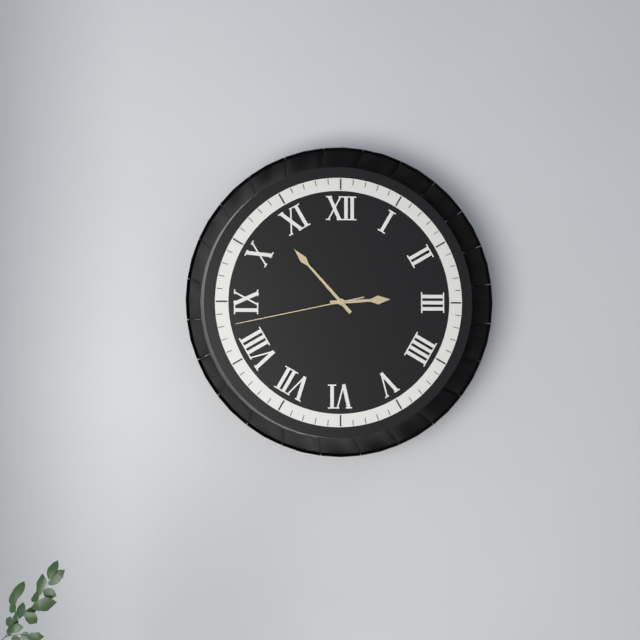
2:53:43
